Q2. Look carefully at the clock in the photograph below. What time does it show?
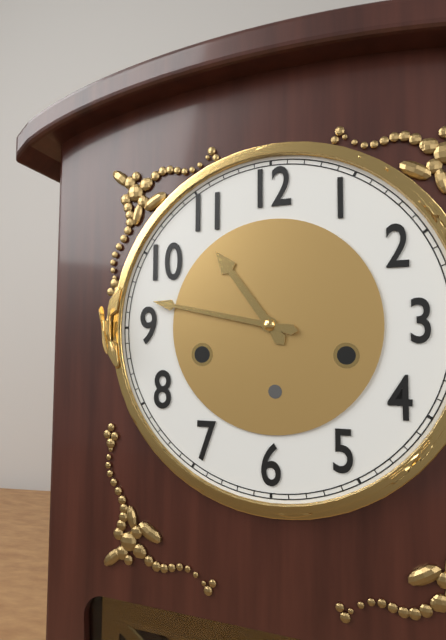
10:47
